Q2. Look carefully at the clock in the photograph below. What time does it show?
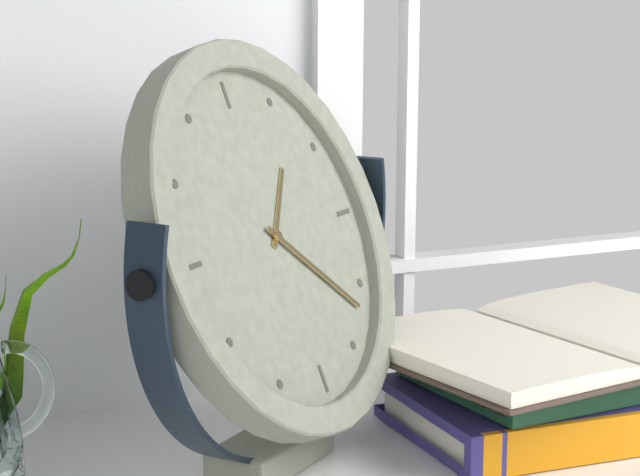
1:22
